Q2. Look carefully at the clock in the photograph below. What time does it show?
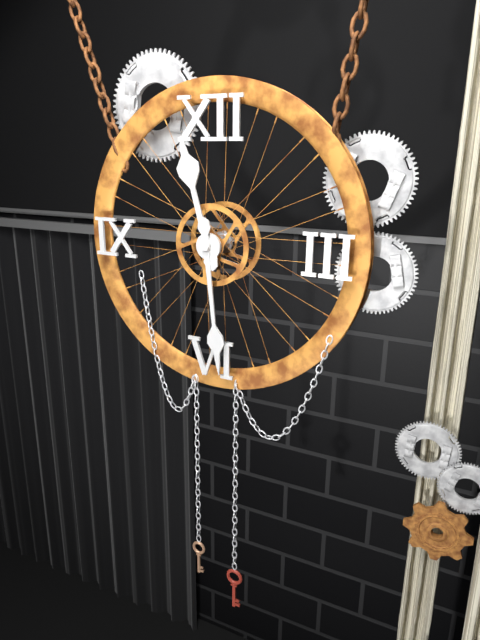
11:29
